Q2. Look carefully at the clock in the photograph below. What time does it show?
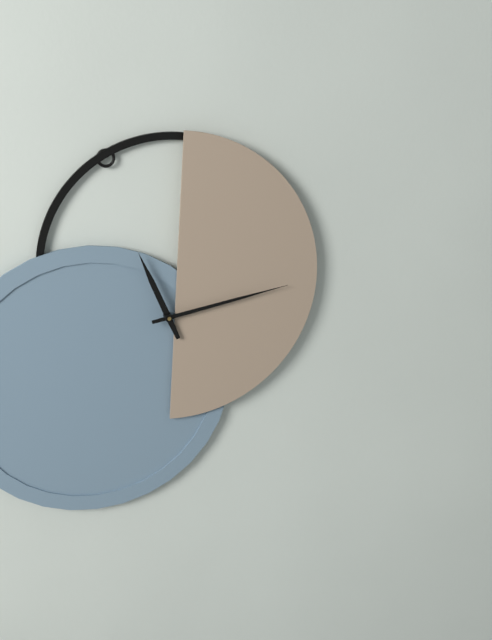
11:13
